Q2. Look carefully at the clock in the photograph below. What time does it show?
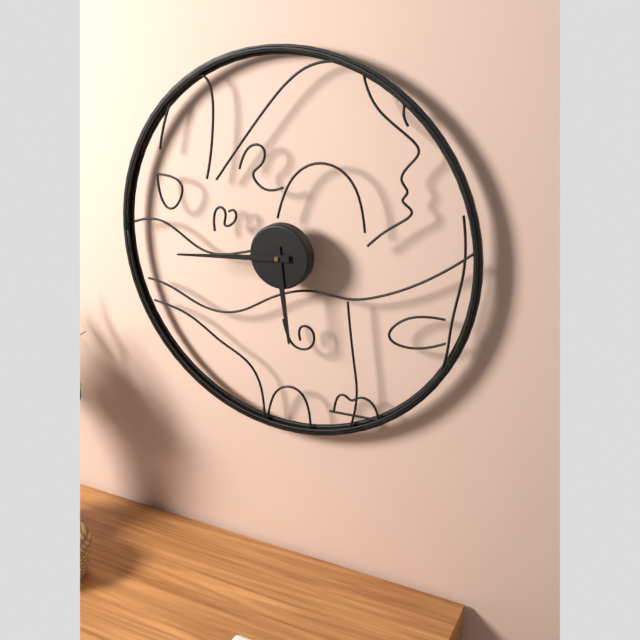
5:44
